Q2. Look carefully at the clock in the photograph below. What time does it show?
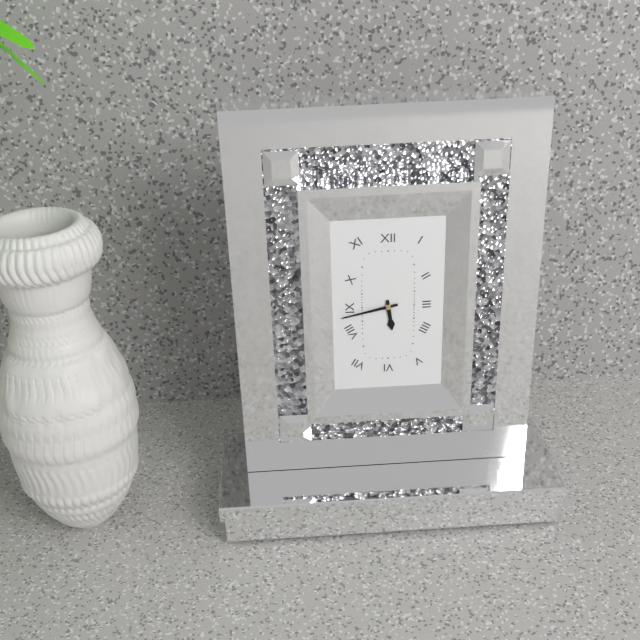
5:43
